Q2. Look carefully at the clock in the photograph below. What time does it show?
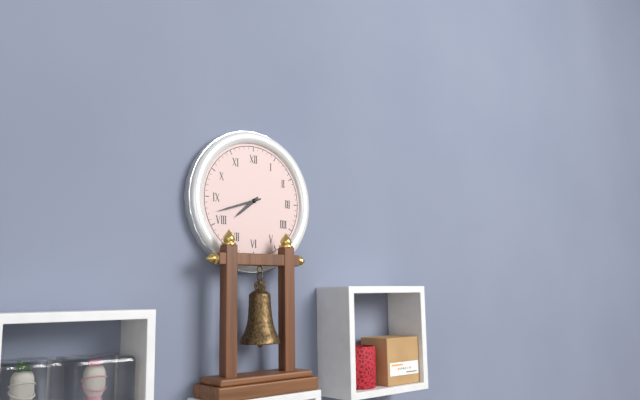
7:42
